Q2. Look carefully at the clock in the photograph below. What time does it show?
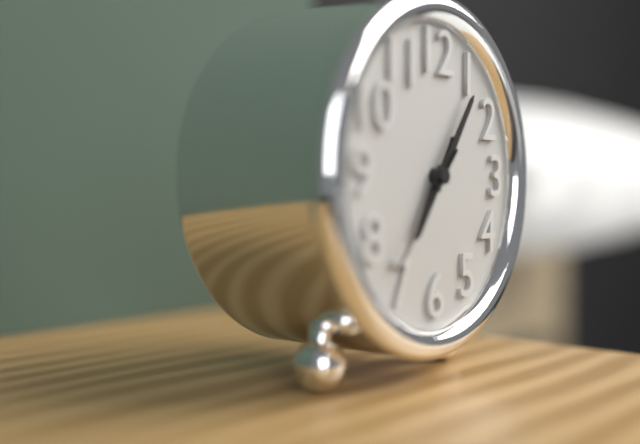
7:06:37
